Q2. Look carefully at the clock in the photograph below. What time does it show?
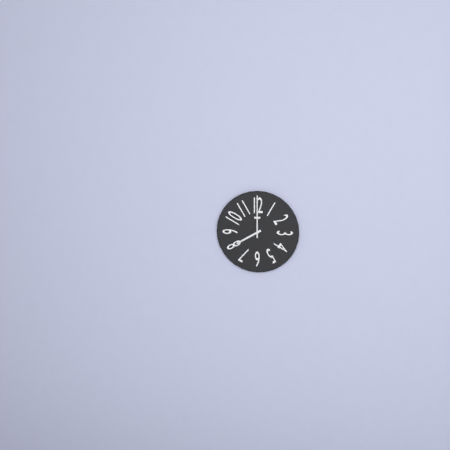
8:00
